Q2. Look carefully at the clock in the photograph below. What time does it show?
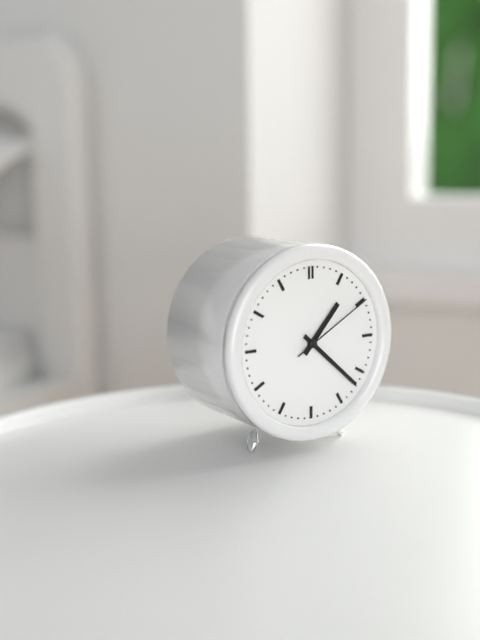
1:22:10
